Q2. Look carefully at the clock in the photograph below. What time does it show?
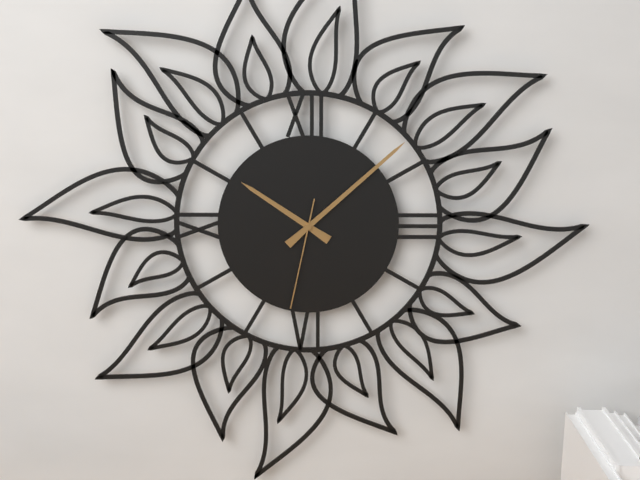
10:08:32
